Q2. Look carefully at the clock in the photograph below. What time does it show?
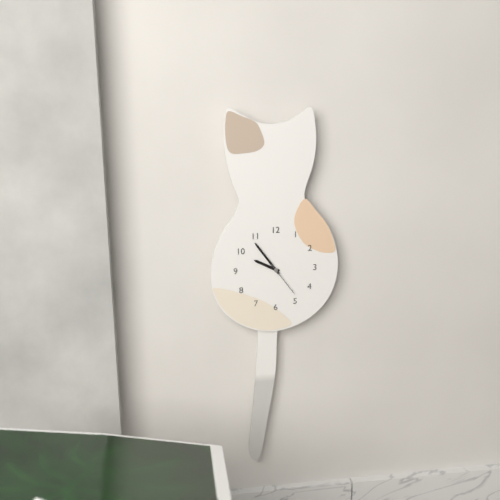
9:54
